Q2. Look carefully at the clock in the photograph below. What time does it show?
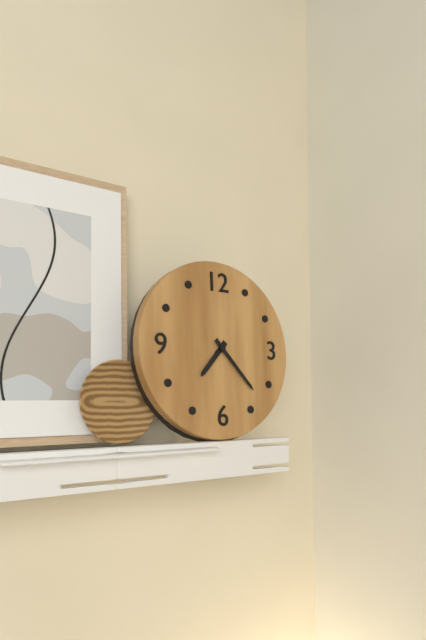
7:23
